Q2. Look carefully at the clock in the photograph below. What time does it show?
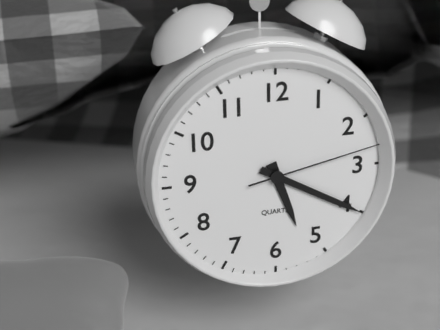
5:20:13
